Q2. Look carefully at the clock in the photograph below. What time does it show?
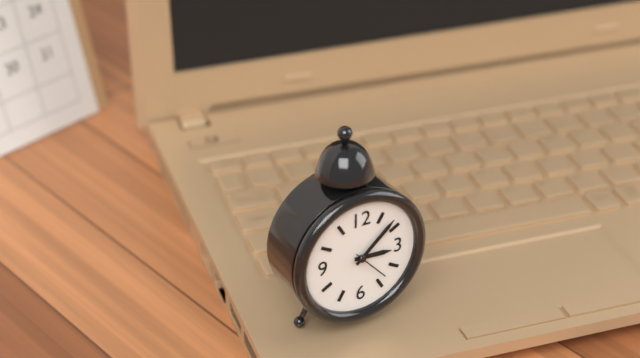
3:08:23
